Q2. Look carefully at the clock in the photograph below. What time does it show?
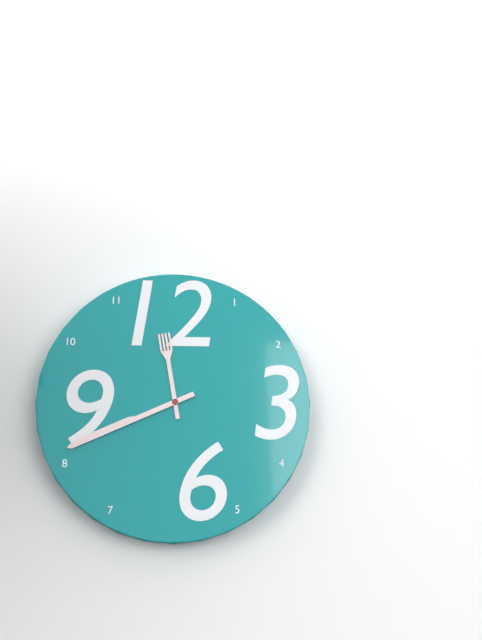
11:41
